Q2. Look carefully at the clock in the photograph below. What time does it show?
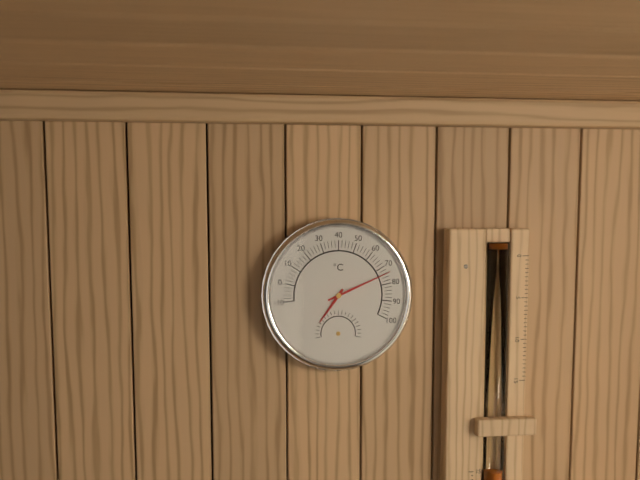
7:11
